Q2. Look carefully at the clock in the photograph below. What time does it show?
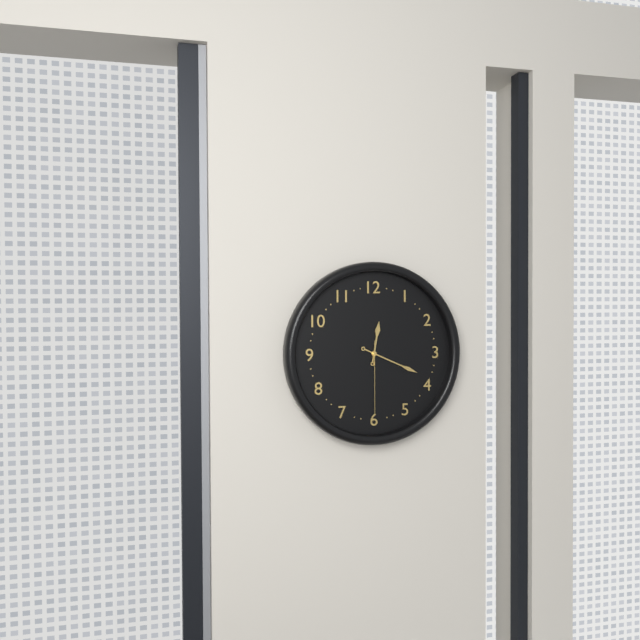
12:19:30
